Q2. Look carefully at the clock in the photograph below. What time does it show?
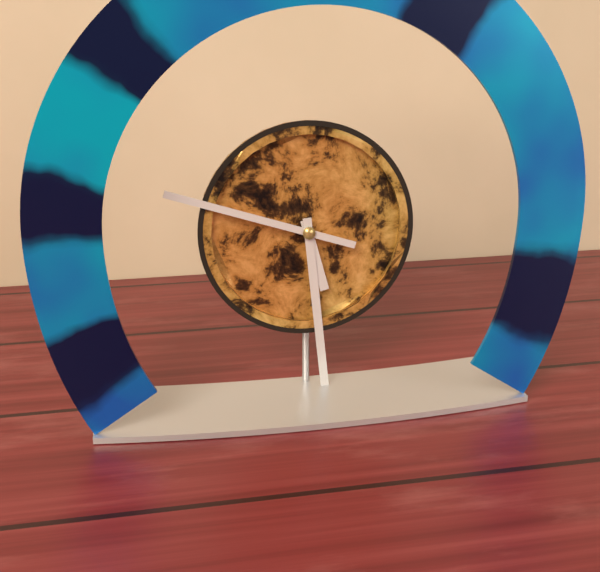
5:29:48
